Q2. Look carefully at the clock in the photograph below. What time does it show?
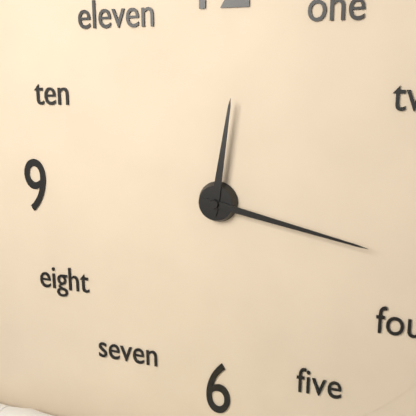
12:17
